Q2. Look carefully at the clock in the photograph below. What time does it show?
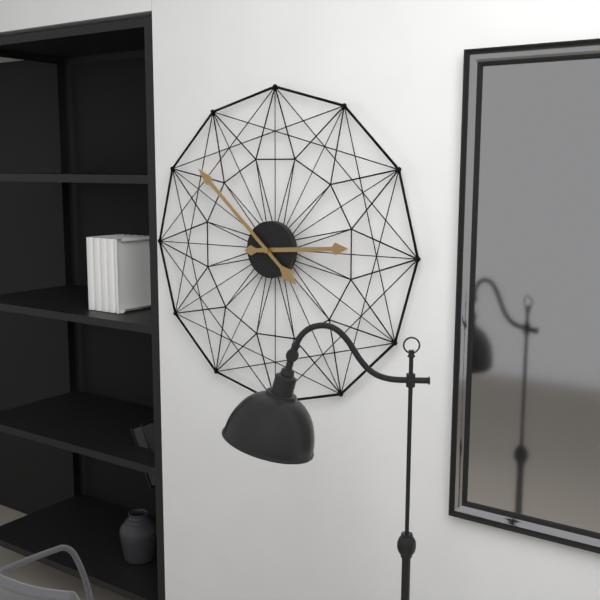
2:52
